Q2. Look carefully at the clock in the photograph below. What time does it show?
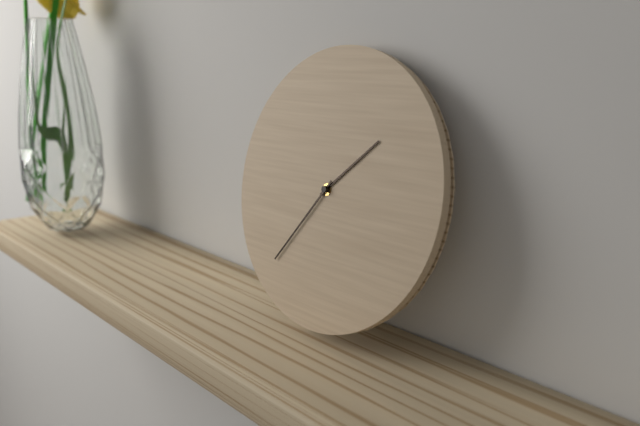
1:36
